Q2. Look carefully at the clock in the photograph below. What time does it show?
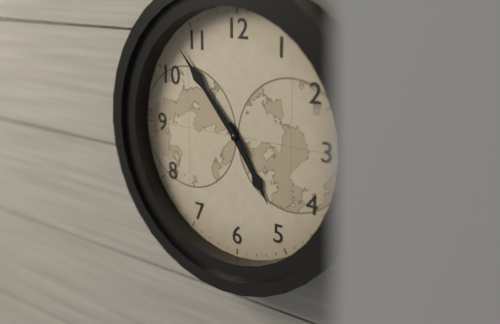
4:53
